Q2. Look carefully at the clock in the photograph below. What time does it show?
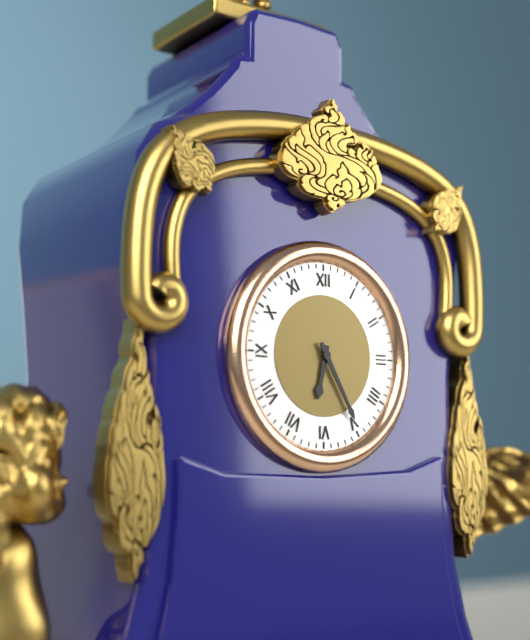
6:25
